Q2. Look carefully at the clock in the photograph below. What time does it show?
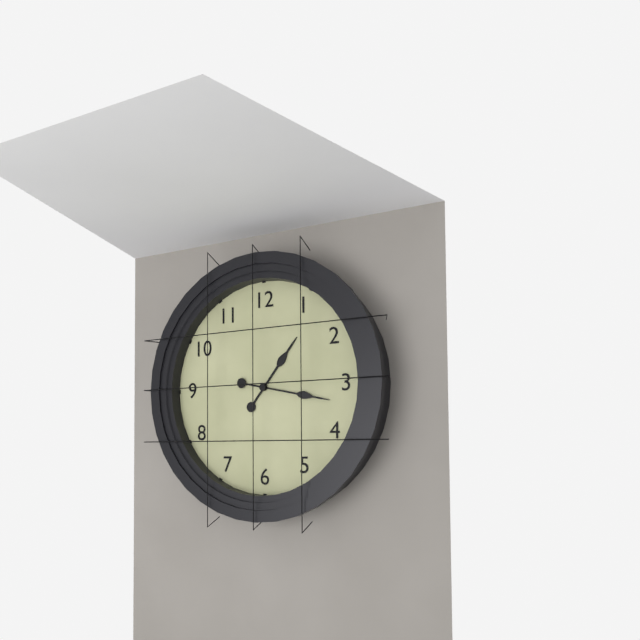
1:17
